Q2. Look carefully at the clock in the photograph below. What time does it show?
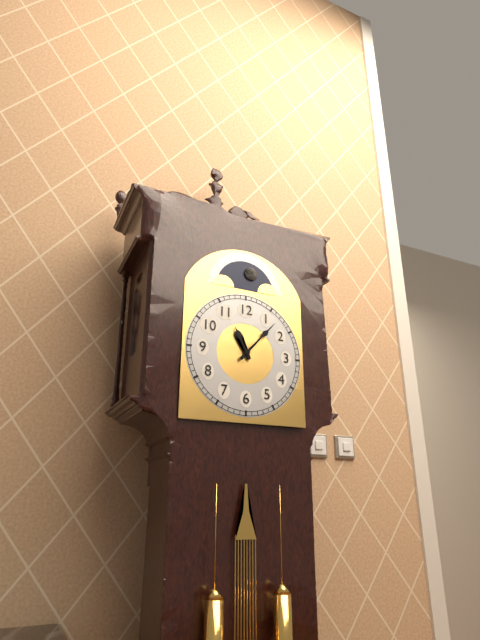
11:07
